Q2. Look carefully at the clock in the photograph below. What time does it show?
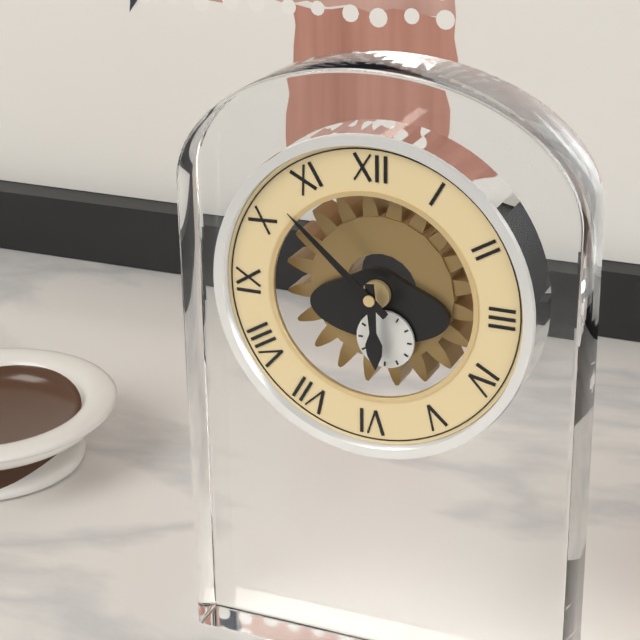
5:52
